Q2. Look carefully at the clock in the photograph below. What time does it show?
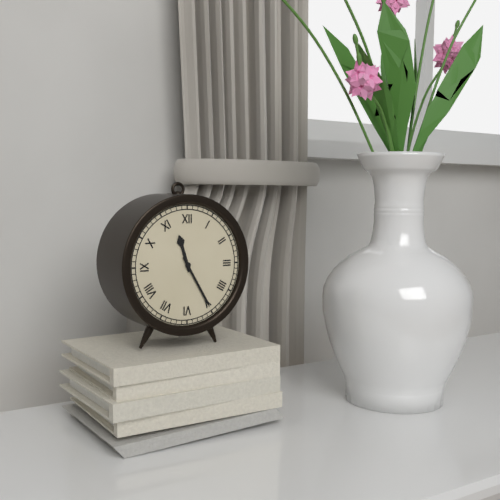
11:25
